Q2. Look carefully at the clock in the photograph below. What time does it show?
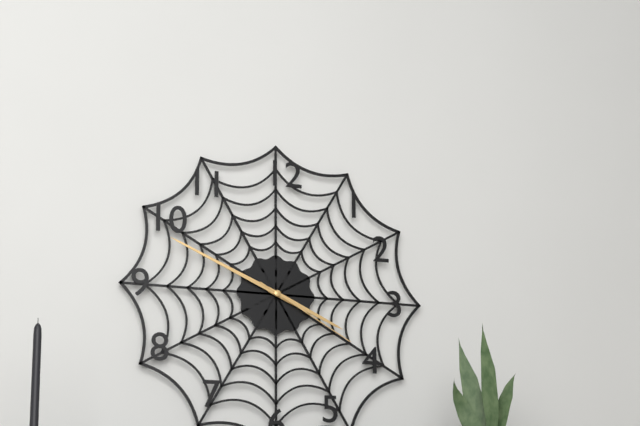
3:49:20
